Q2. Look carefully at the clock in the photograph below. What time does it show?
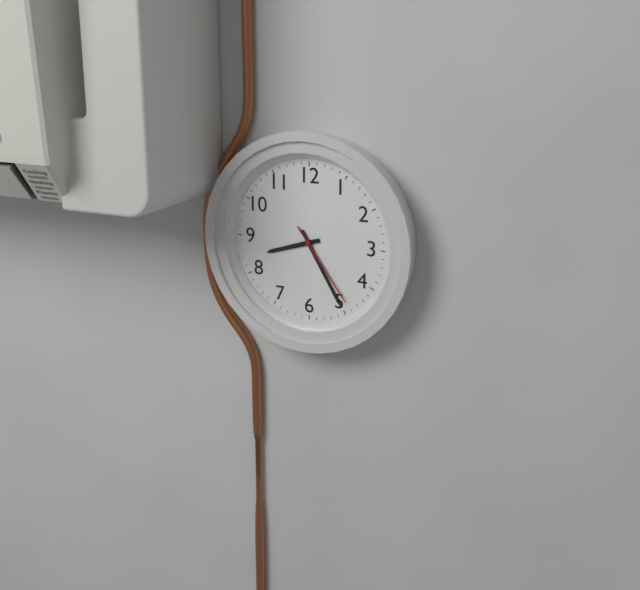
8:25:24
